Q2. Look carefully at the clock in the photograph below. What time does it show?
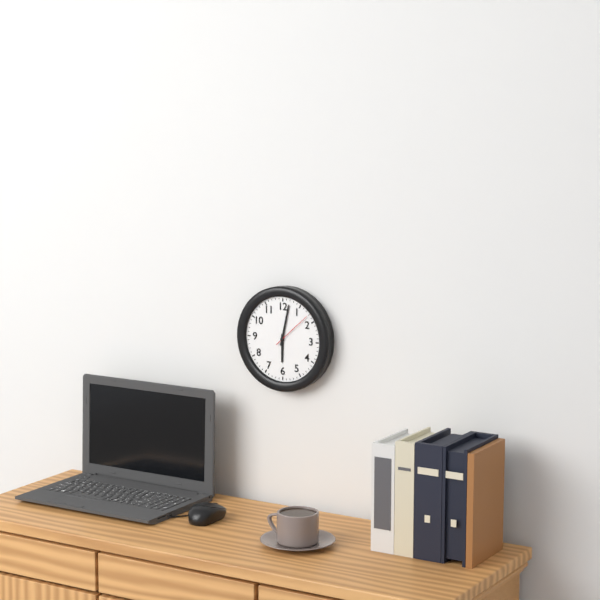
6:02
